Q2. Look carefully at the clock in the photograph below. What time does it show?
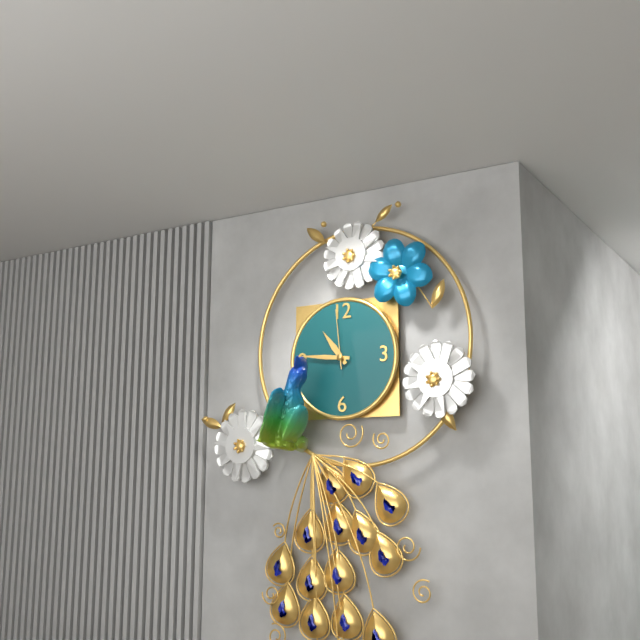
10:46:59
